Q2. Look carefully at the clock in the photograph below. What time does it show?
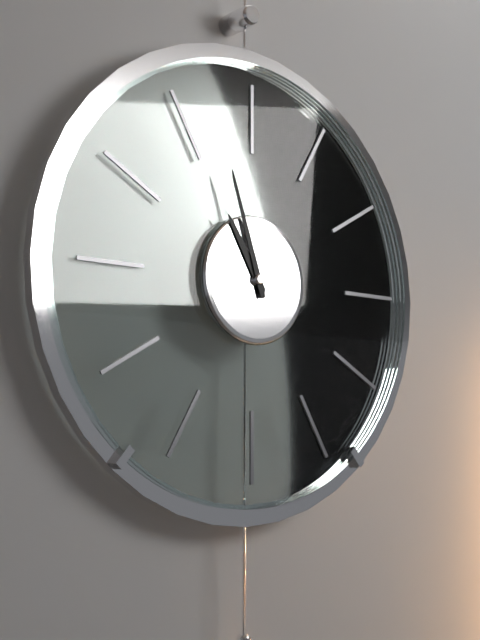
10:57
